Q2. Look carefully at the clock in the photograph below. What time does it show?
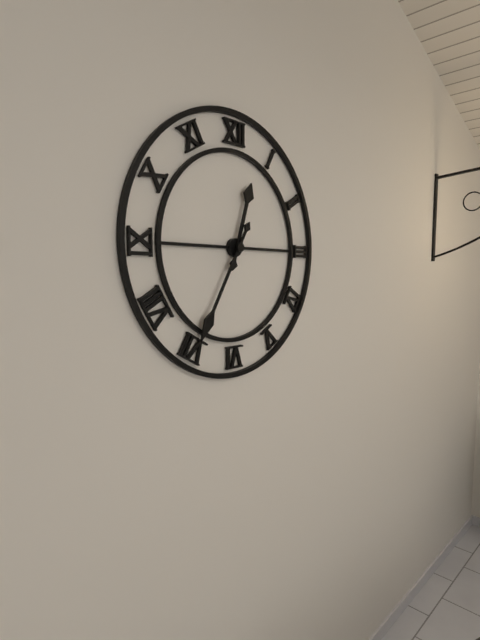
12:35
